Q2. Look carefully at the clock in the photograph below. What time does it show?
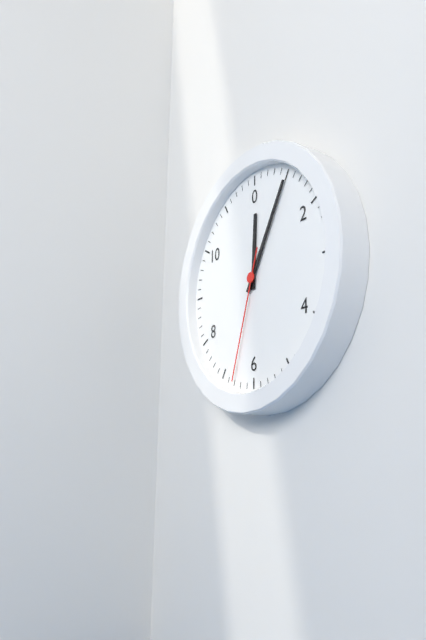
12:05:33
